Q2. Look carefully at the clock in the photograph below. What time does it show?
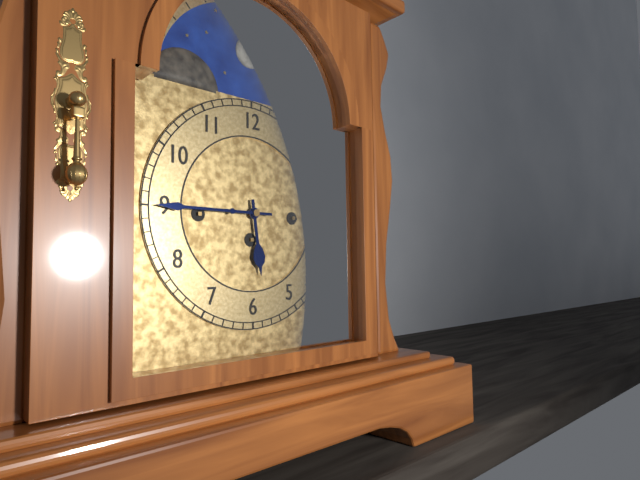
5:45
